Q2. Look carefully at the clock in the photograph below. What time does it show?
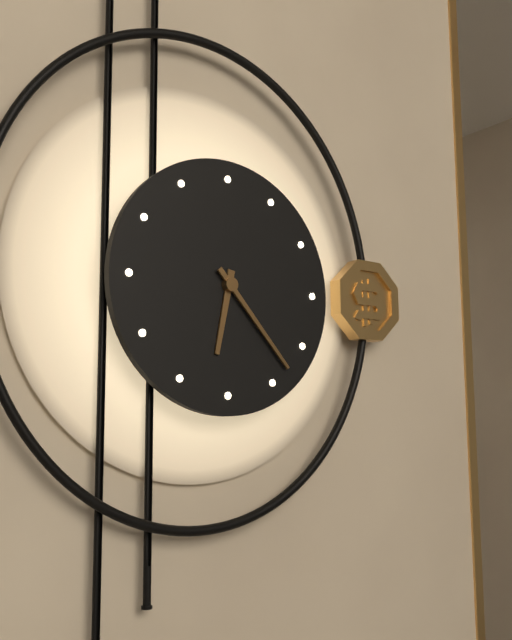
6:23
